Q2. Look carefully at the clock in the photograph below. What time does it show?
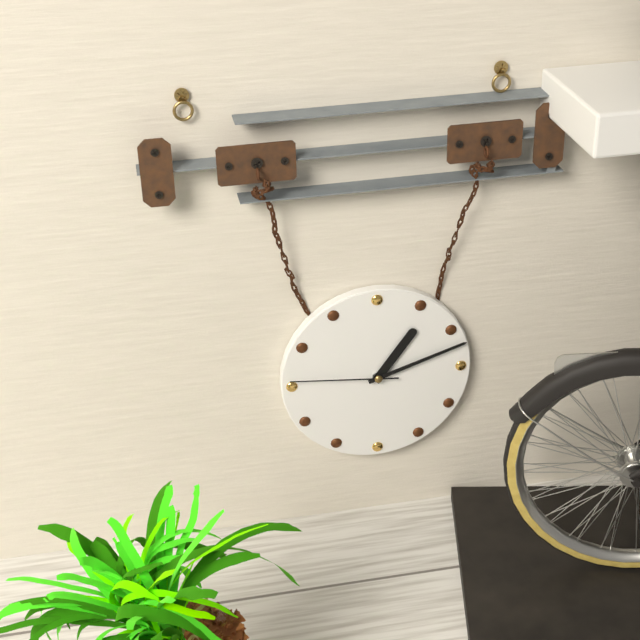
1:12:46
